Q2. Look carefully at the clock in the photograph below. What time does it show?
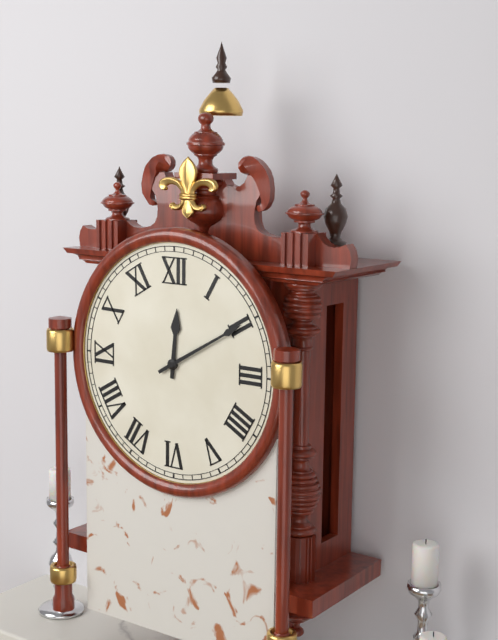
12:10
